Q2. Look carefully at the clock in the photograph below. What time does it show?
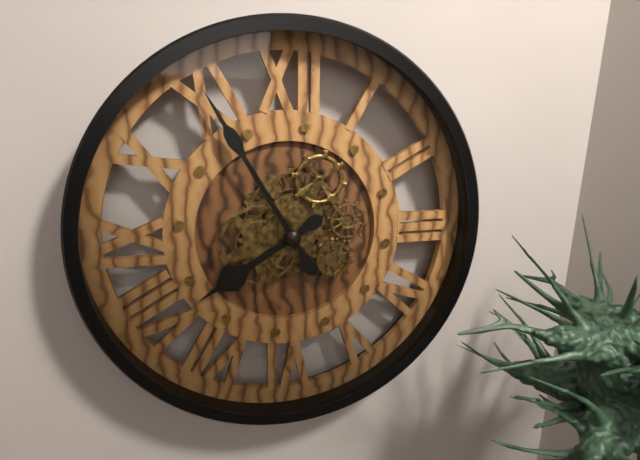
7:55
